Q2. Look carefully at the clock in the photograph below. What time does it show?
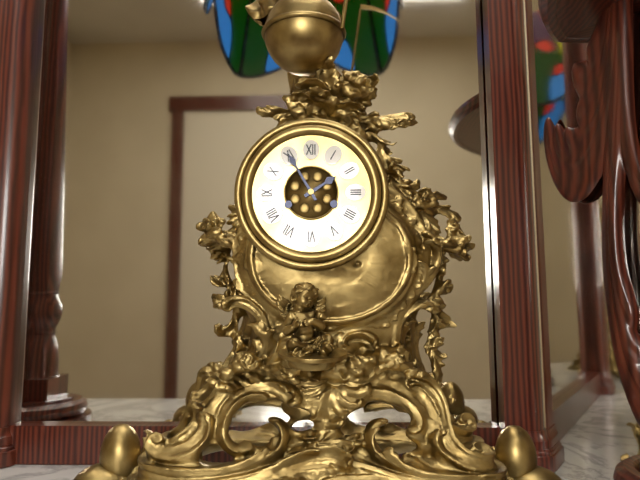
1:55
